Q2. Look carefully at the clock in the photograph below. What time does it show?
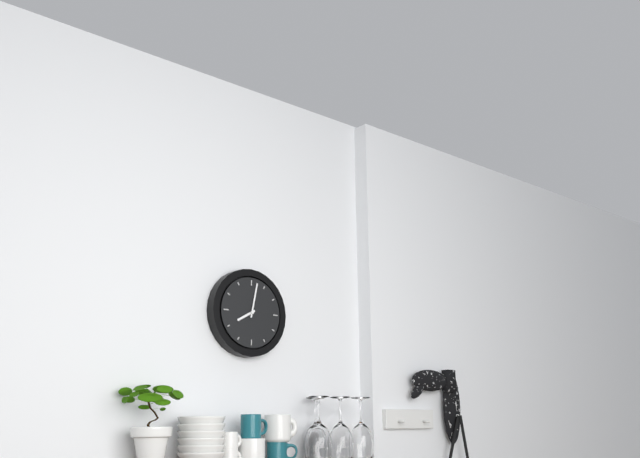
8:02
